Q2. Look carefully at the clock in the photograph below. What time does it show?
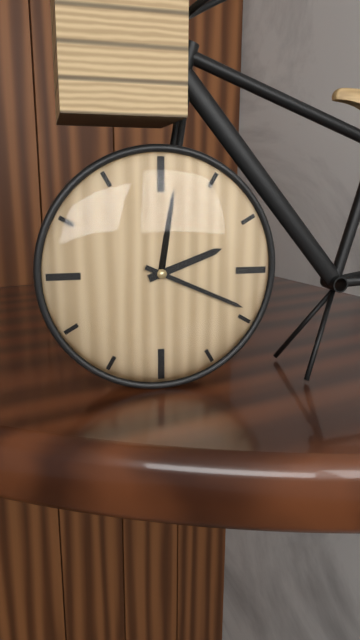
2:19
